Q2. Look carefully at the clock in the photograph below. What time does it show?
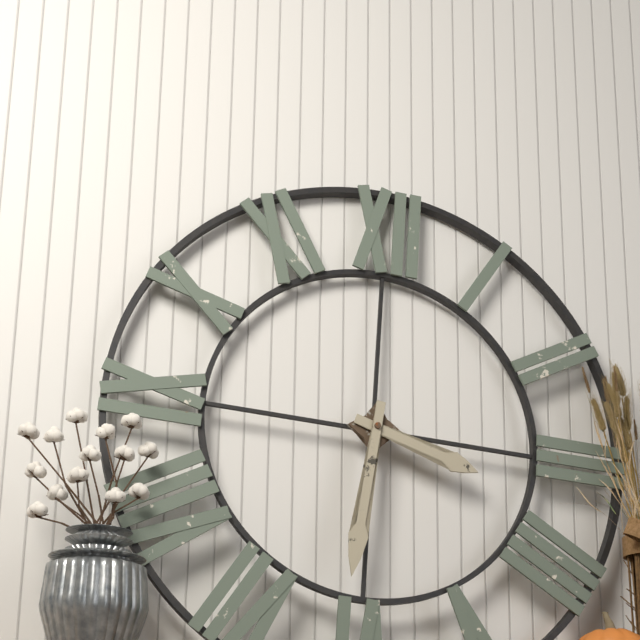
3:31
